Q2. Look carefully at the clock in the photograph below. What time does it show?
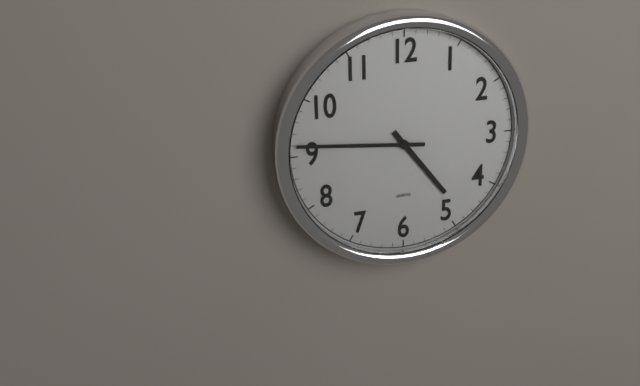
4:46
